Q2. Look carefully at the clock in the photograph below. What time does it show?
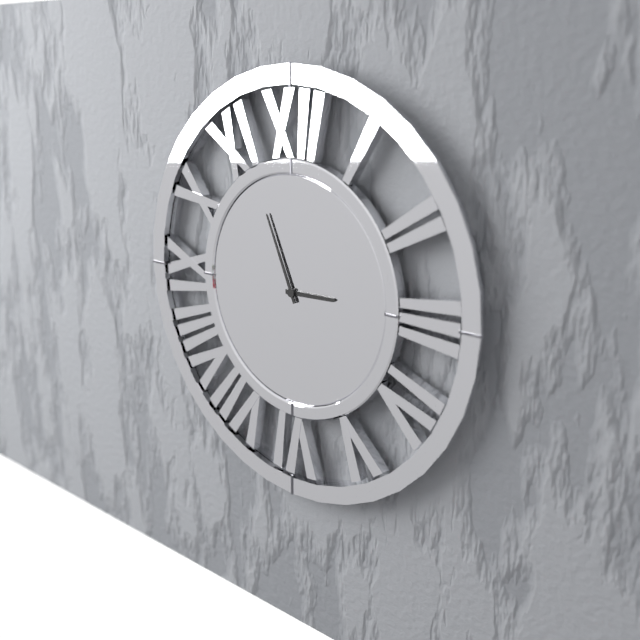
2:56
